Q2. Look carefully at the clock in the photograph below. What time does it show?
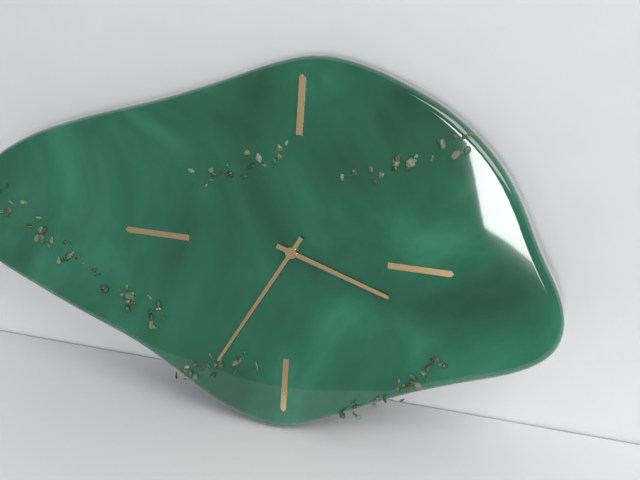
3:35
